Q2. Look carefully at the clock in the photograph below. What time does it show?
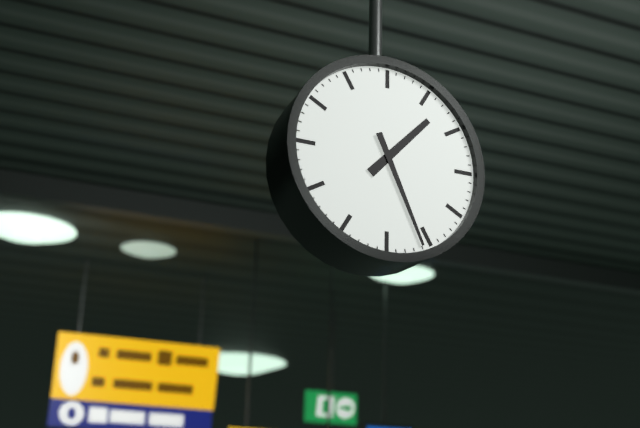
1:26
